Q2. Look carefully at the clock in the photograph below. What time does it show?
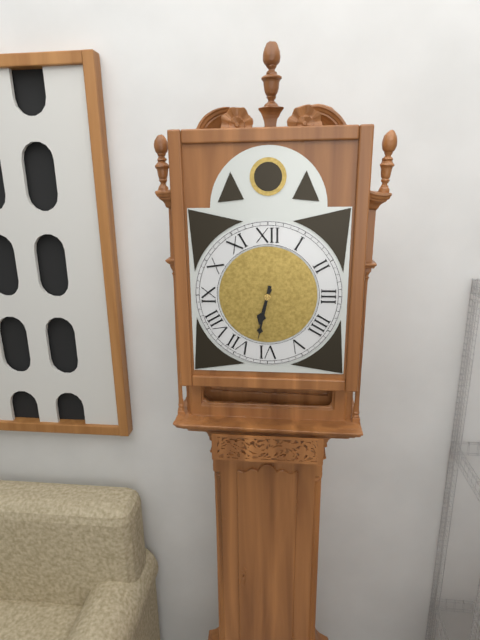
6:32
